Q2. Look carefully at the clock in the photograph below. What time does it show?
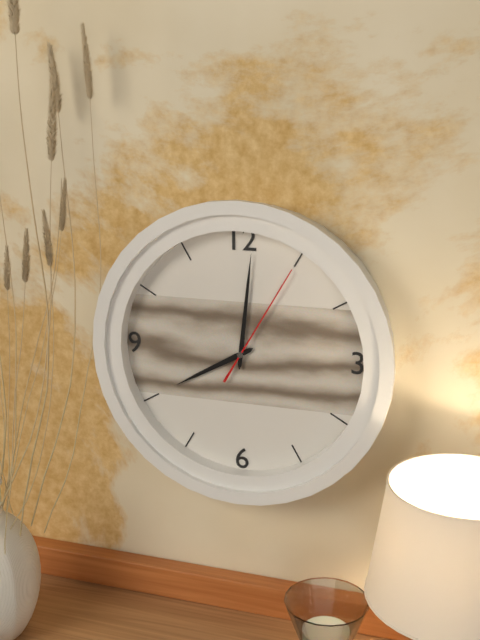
8:01:05
